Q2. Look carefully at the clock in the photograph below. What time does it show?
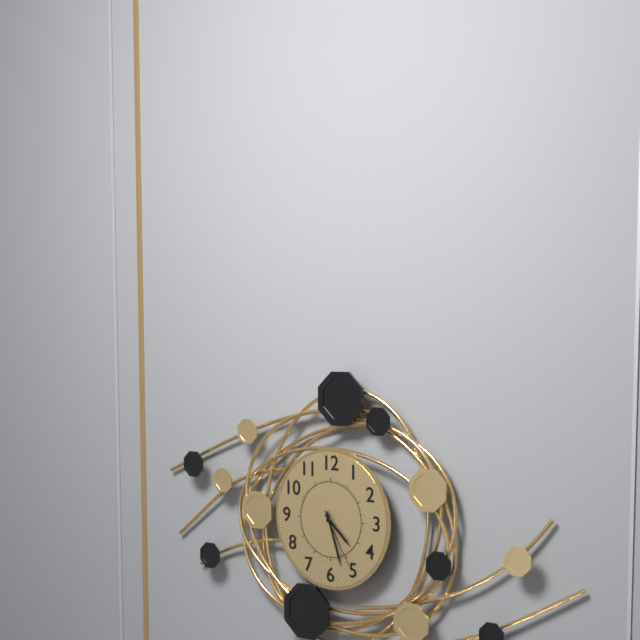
4:27:25
